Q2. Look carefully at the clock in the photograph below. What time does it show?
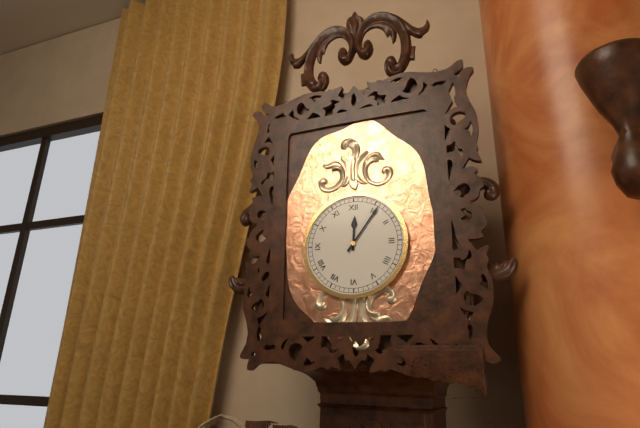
12:06
